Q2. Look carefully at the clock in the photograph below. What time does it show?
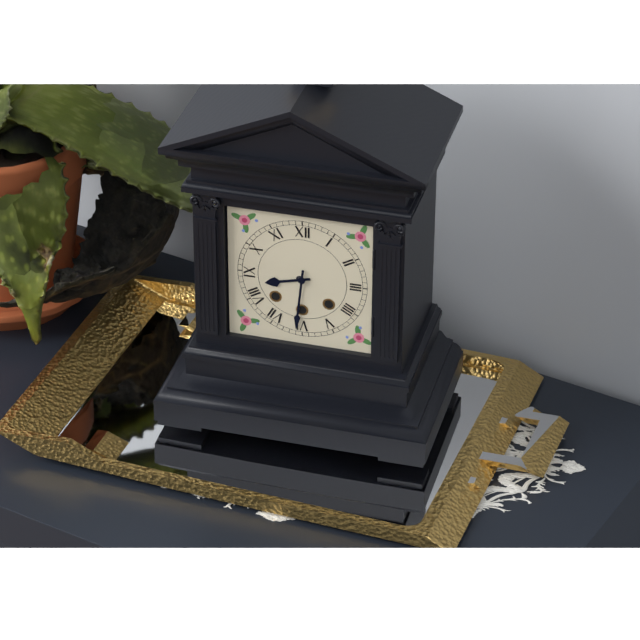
8:31
